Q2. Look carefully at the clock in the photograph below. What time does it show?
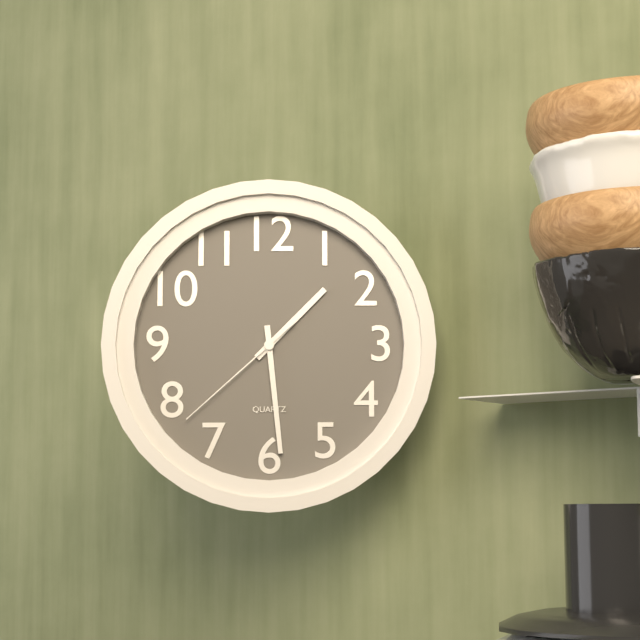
1:29:38
